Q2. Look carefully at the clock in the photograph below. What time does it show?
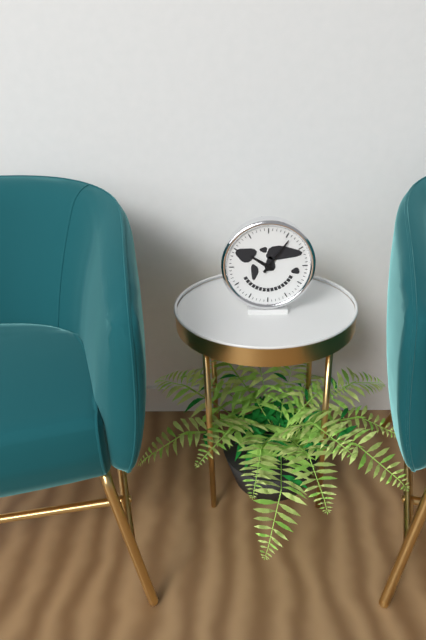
10:06
